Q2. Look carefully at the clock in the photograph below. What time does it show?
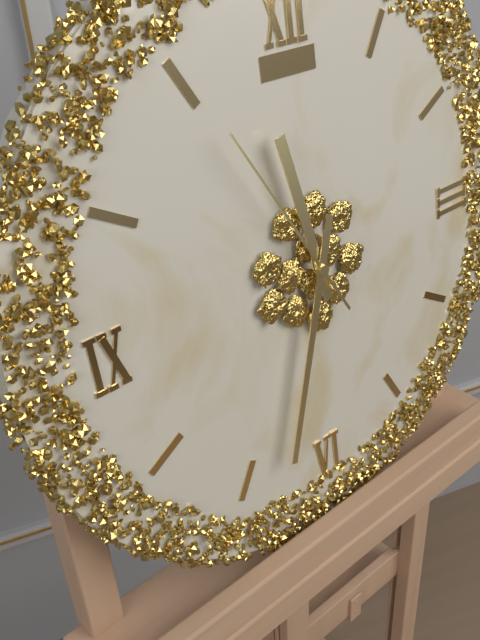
11:33:55
